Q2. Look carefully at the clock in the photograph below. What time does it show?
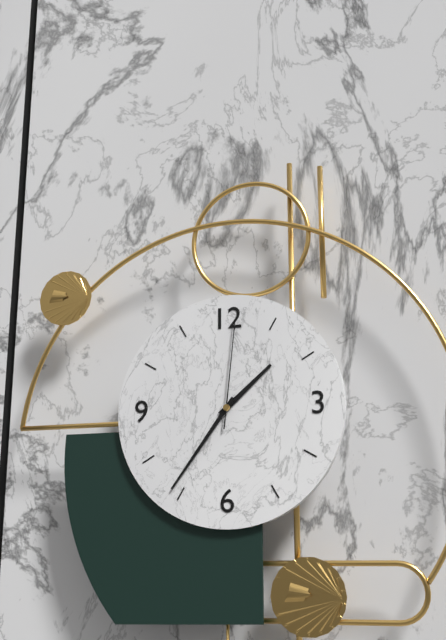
1:36:01
